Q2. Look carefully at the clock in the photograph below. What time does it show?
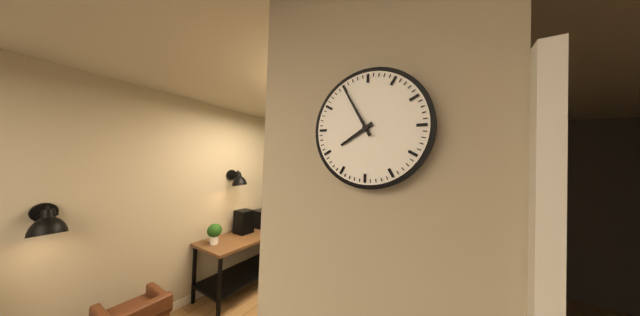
7:55
